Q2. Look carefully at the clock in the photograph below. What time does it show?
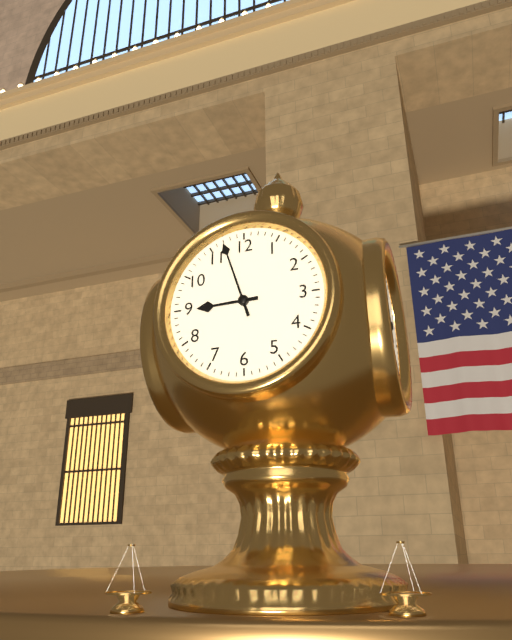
8:57
